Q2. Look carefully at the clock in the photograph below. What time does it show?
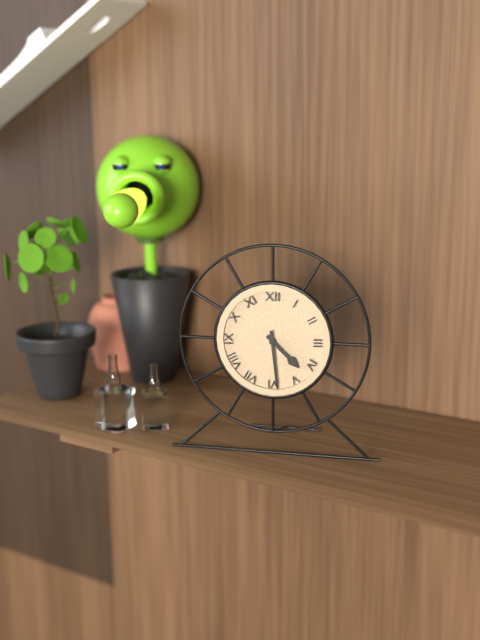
4:29
